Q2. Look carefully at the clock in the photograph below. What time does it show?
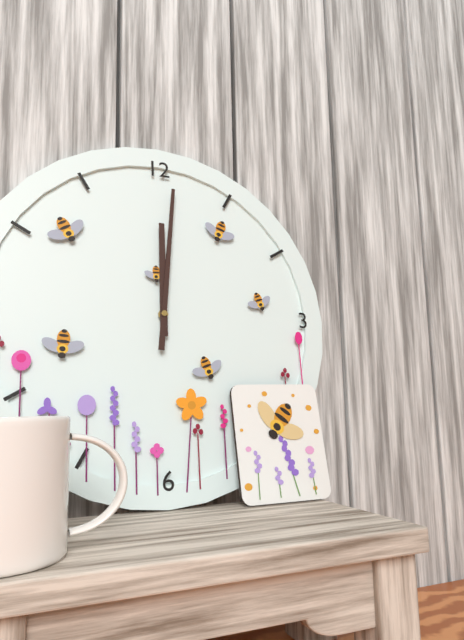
12:01
